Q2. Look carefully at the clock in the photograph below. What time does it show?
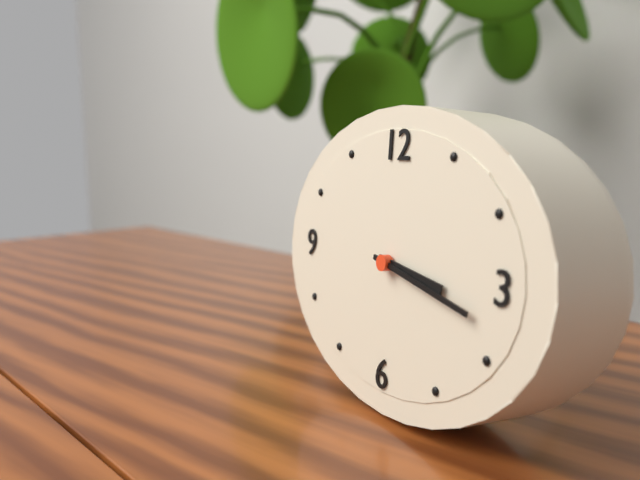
3:17
